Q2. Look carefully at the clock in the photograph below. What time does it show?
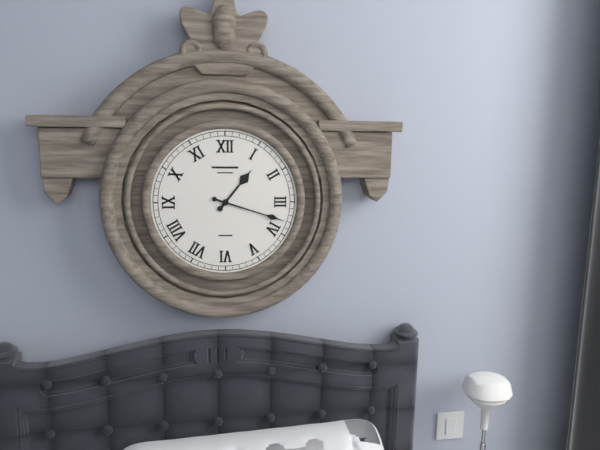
1:18
